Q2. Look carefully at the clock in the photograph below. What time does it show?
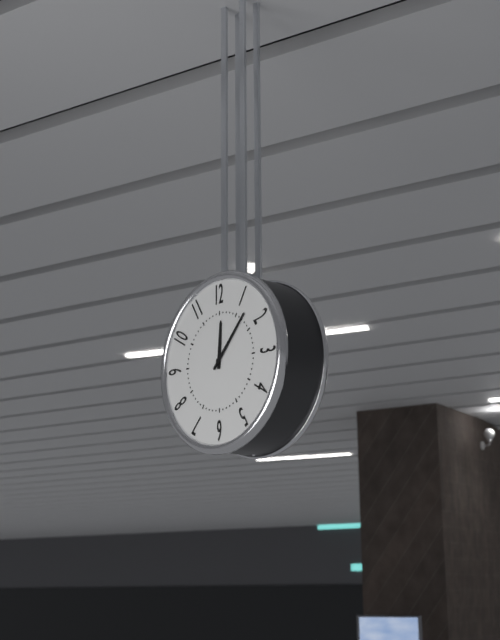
12:07
